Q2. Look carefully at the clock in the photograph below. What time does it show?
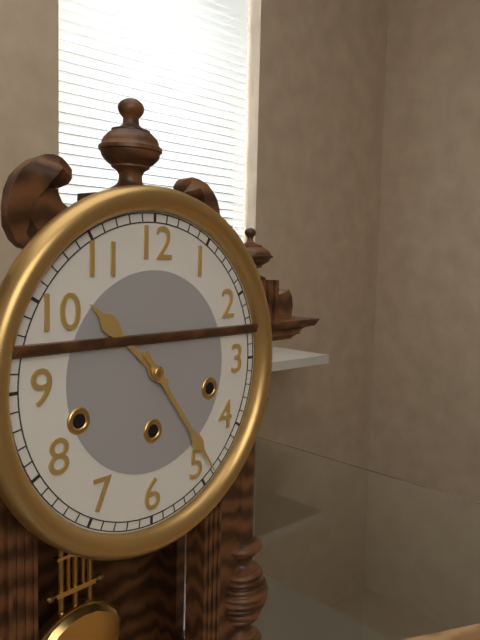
10:24
